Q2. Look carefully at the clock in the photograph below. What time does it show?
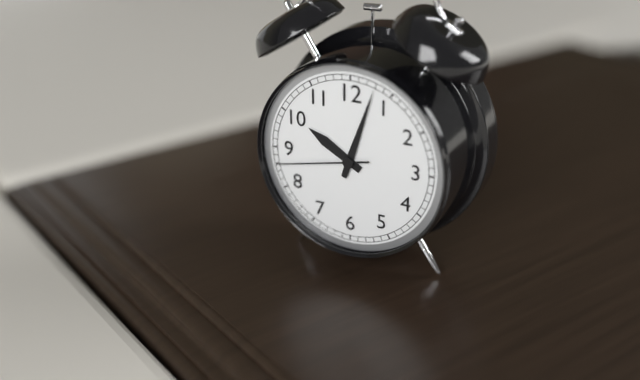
10:03:43
